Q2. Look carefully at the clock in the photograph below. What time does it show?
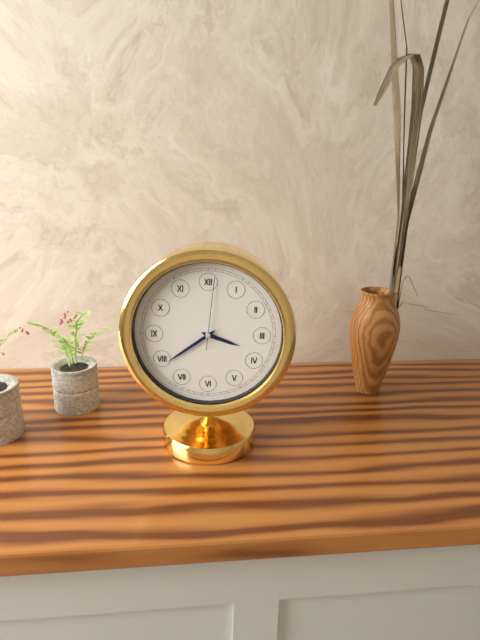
3:39:01
